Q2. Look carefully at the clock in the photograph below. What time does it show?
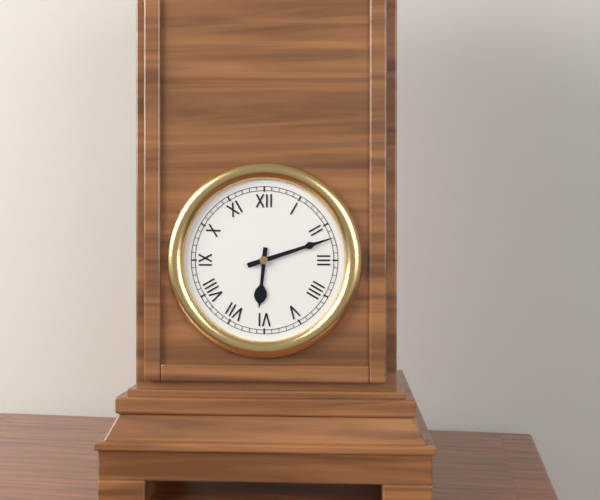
6:12
